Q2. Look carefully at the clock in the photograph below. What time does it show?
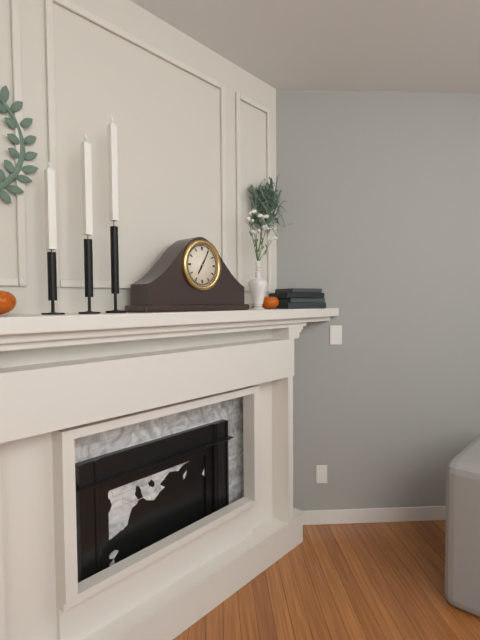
7:05
